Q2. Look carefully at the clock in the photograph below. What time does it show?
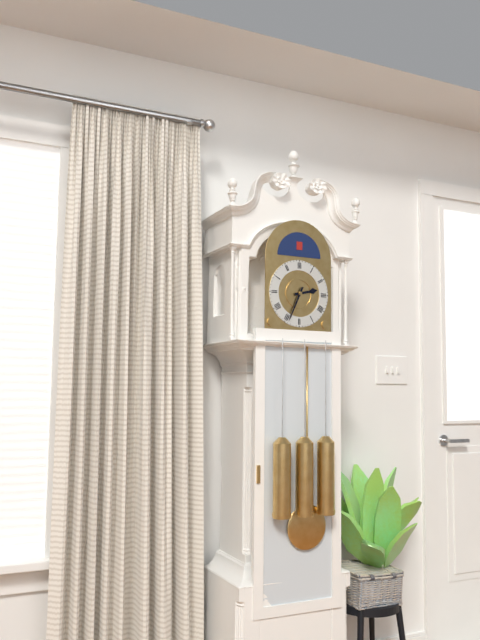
2:34
